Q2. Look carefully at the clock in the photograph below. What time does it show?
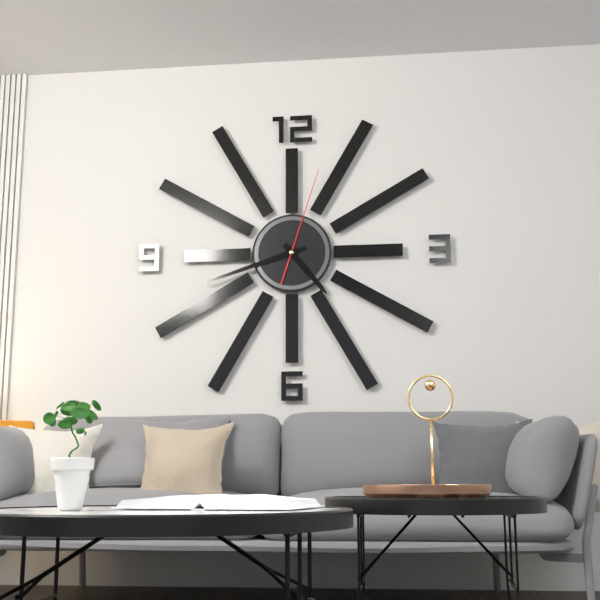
4:42:03
